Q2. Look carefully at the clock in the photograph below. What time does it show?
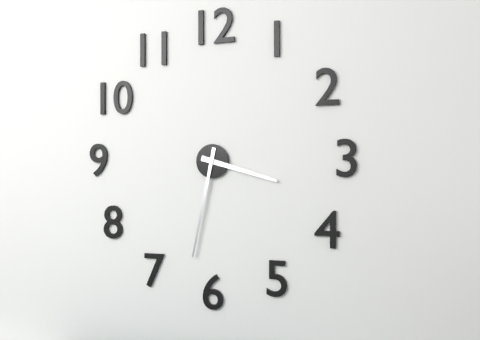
3:32
